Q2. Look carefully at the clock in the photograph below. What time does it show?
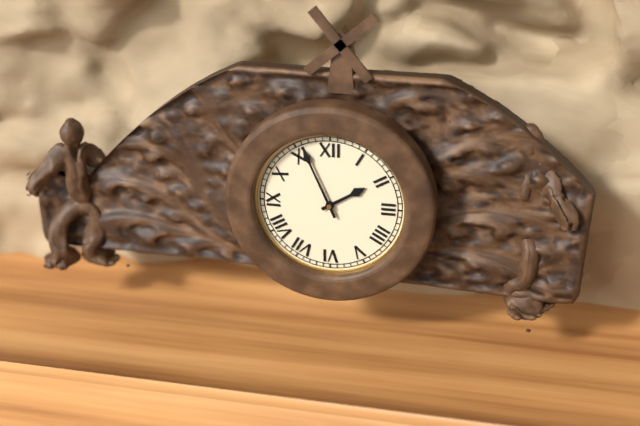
1:56
